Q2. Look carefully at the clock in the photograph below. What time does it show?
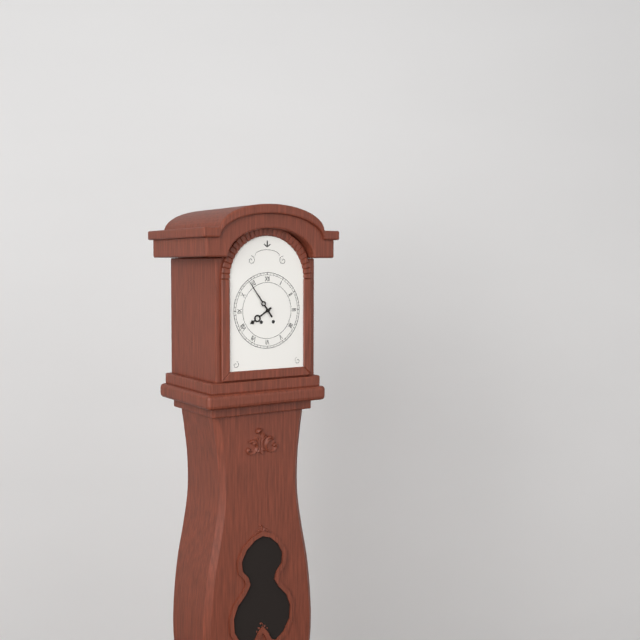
7:54
